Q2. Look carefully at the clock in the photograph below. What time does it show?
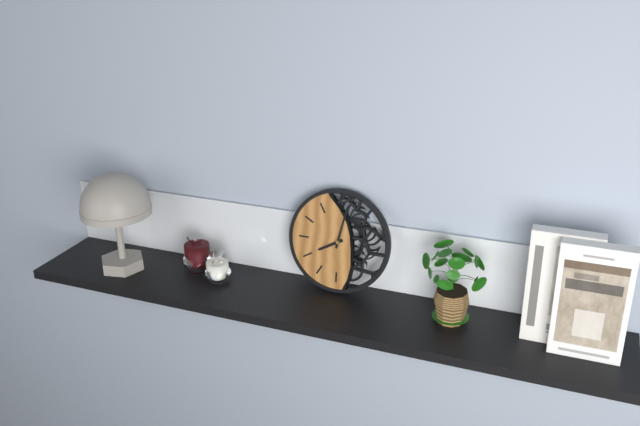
8:02
